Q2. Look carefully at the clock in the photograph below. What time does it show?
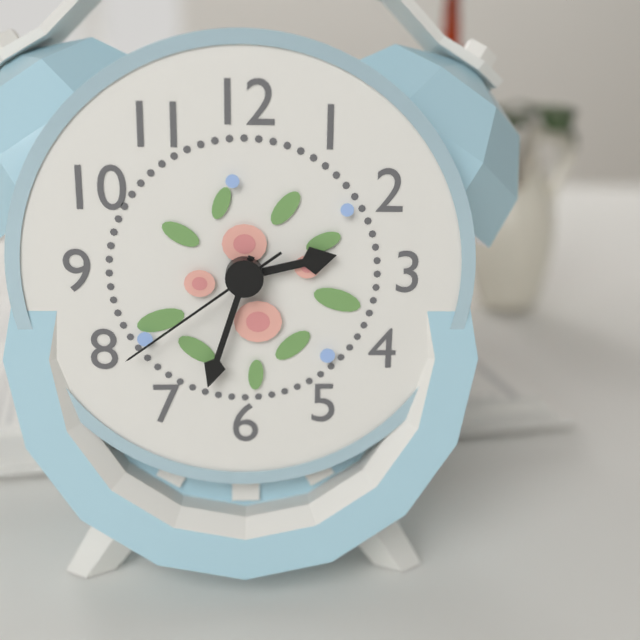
2:33:39
